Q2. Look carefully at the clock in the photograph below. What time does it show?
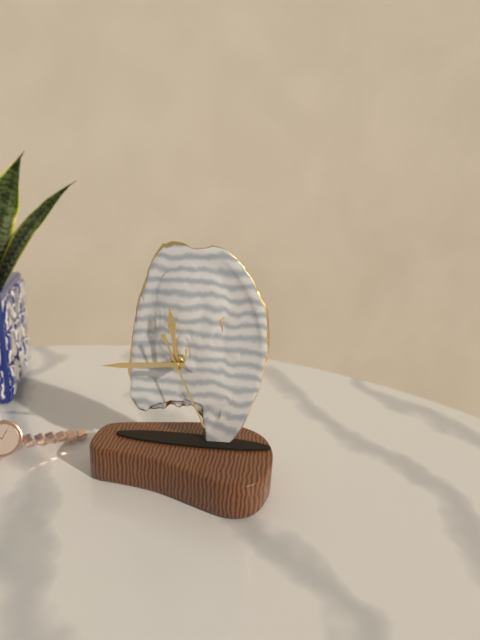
11:44:26
